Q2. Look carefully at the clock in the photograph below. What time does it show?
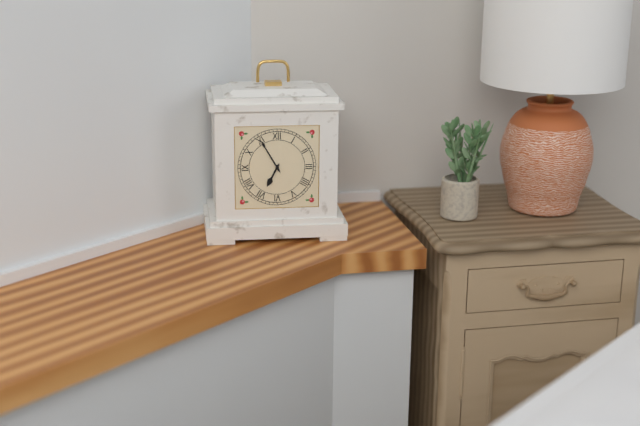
6:55
